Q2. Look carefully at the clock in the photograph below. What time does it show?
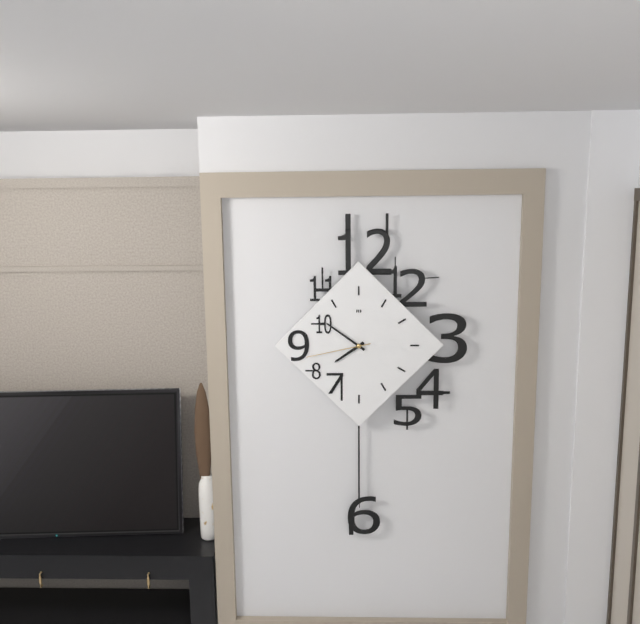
7:51:43
